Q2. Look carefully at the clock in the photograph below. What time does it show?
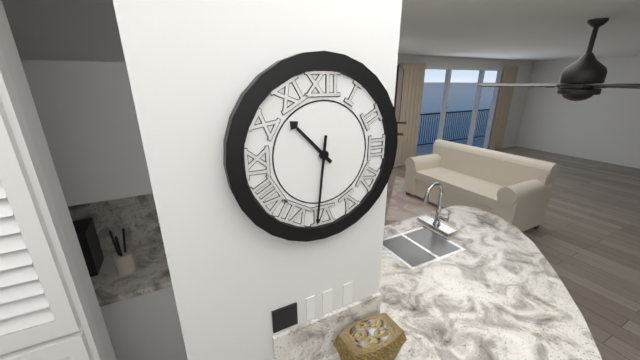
10:31
